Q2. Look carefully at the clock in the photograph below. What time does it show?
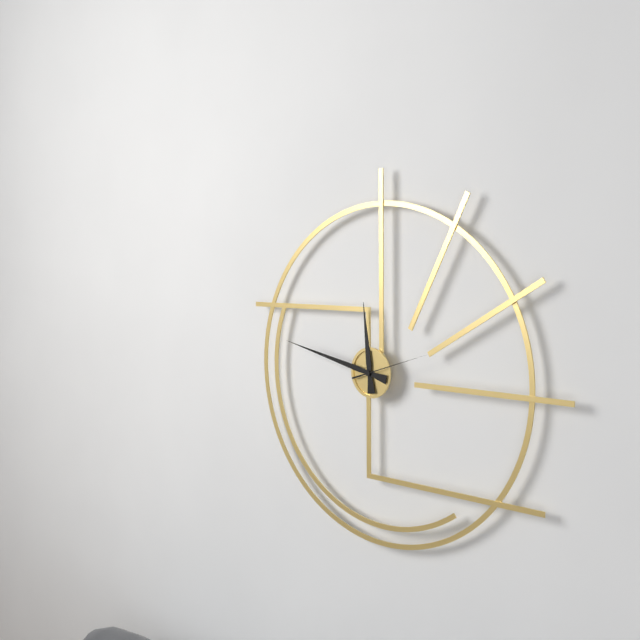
11:47:12
